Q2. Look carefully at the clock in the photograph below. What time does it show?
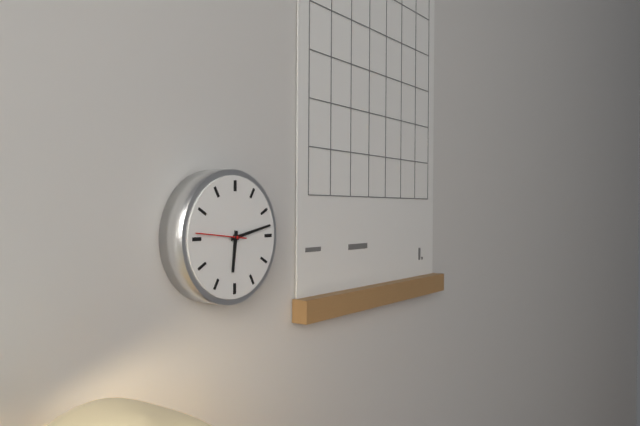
6:13:46
